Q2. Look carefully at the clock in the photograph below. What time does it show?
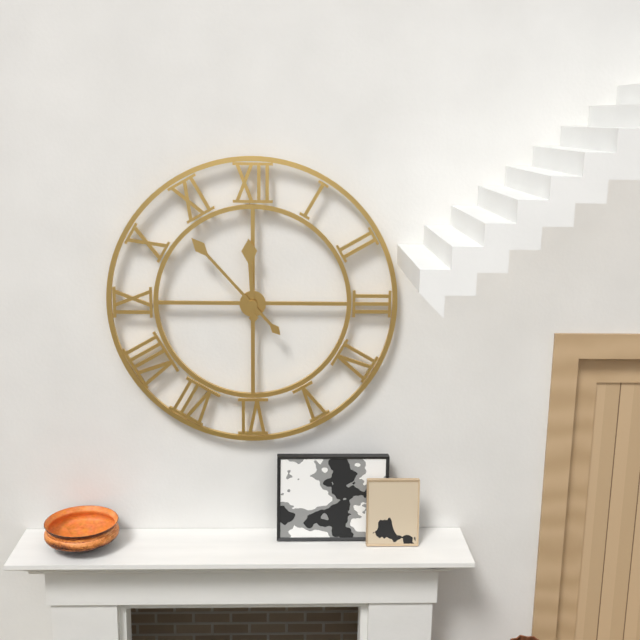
11:53
